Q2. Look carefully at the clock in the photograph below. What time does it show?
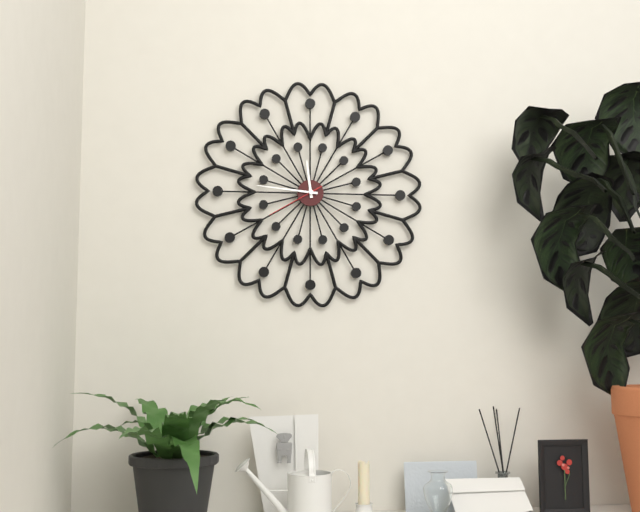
11:46:40
